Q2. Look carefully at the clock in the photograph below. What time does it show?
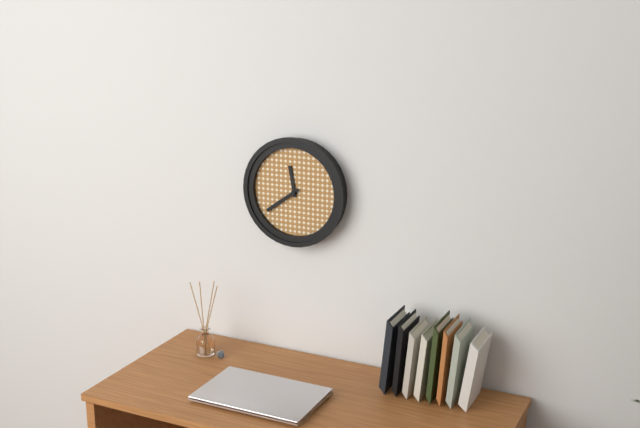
11:39
